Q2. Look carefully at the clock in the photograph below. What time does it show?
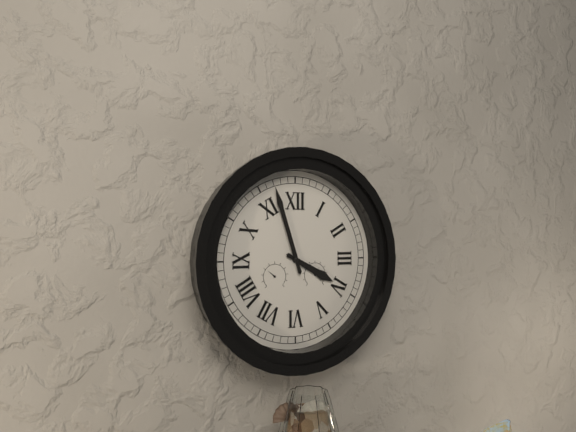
3:57
